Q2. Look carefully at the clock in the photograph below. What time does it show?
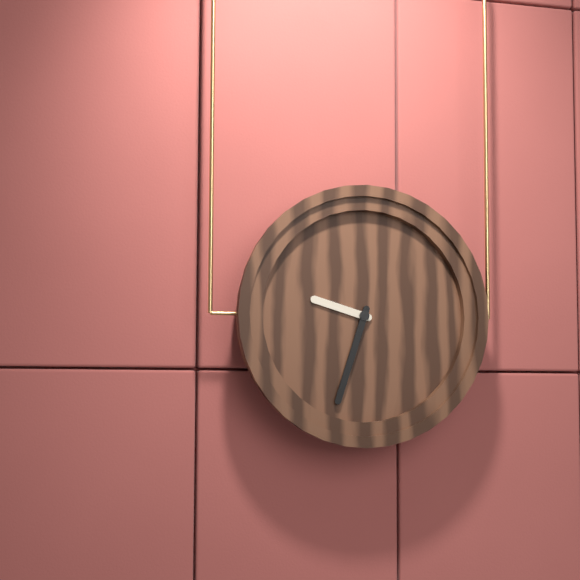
9:33
